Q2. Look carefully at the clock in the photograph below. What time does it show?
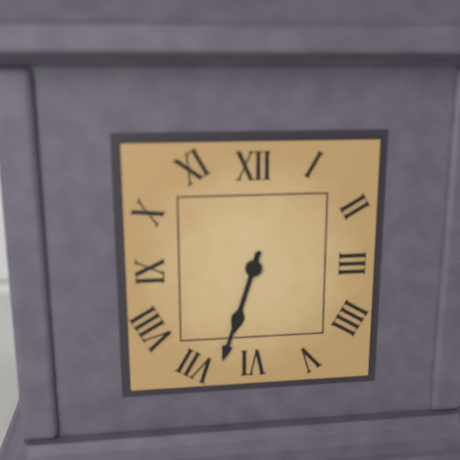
6:33
